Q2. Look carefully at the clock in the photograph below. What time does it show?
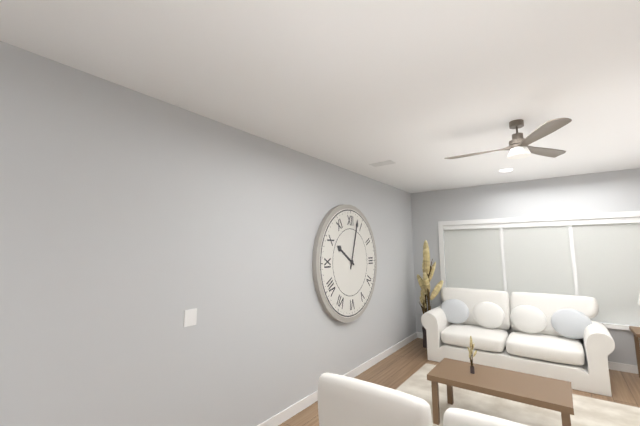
10:03
